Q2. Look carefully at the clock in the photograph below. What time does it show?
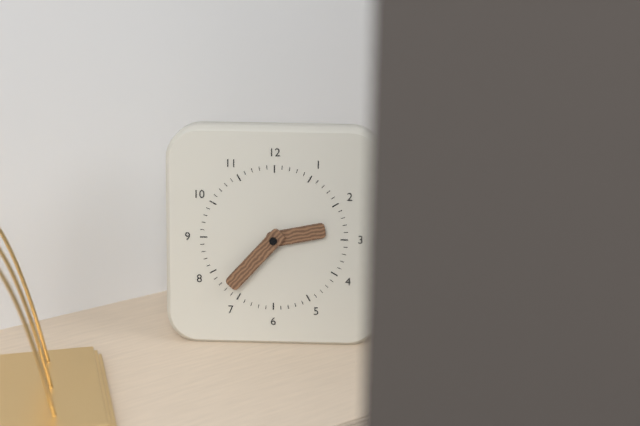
2:37
